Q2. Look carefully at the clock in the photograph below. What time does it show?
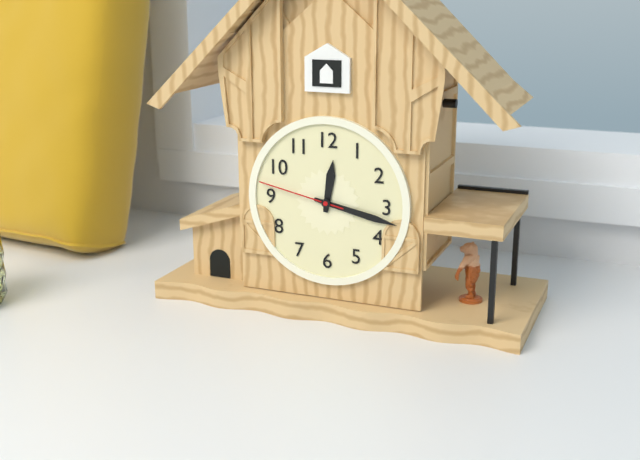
12:17:47
